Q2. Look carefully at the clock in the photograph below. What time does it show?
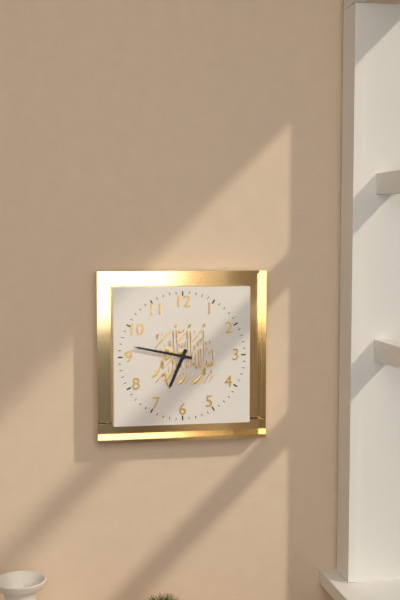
6:47
